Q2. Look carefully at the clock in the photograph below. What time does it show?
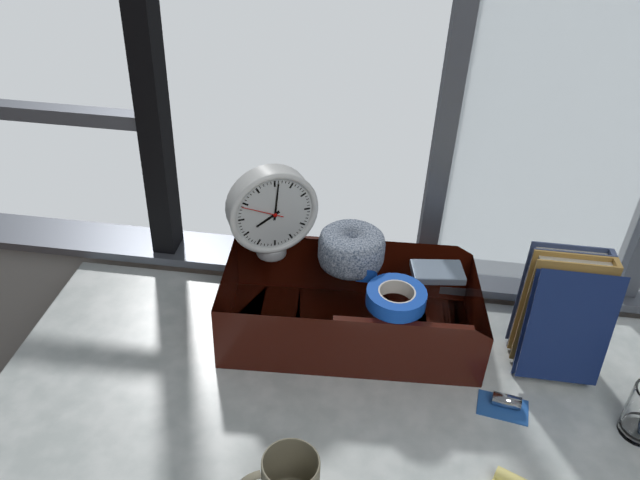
8:01
